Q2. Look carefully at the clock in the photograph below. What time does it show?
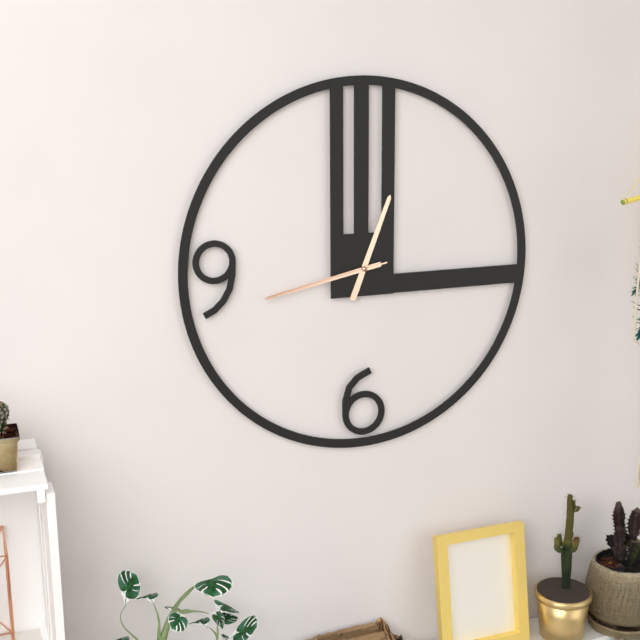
12:43:43
